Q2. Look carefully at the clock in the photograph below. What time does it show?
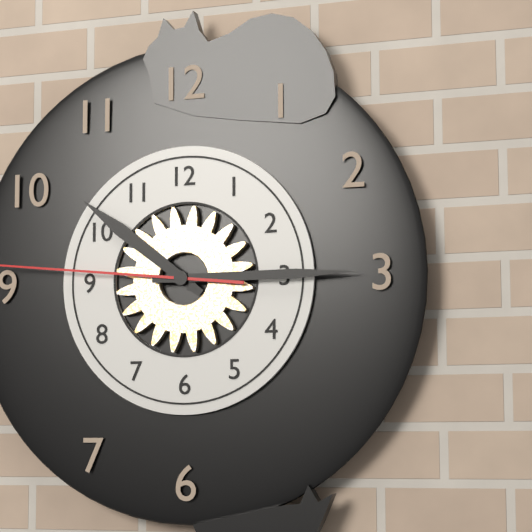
10:15
